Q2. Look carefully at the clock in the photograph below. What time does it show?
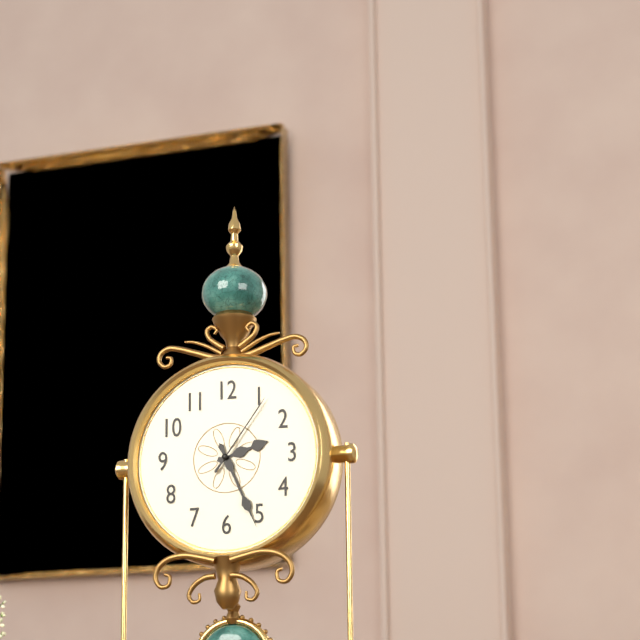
2:26:06
